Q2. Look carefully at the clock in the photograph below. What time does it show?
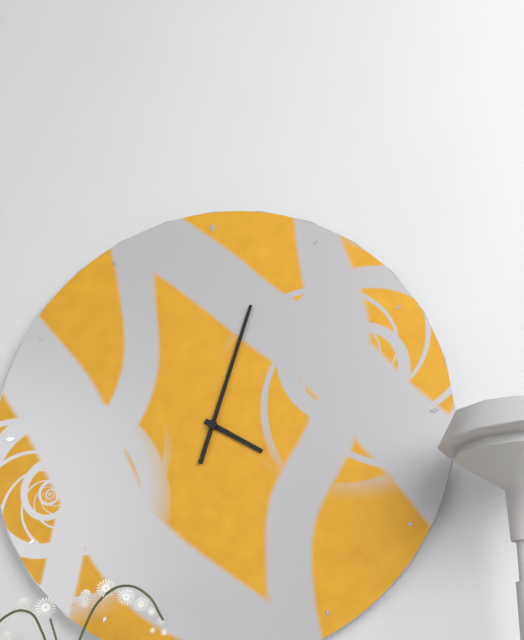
4:03
